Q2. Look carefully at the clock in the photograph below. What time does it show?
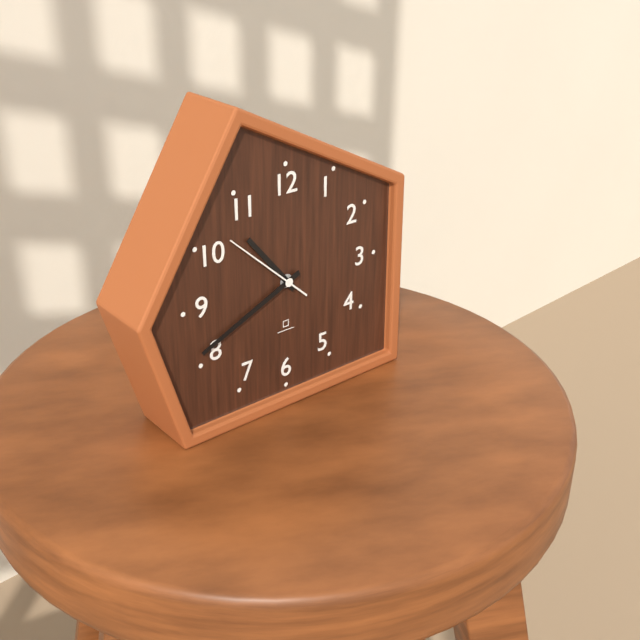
10:41:52
